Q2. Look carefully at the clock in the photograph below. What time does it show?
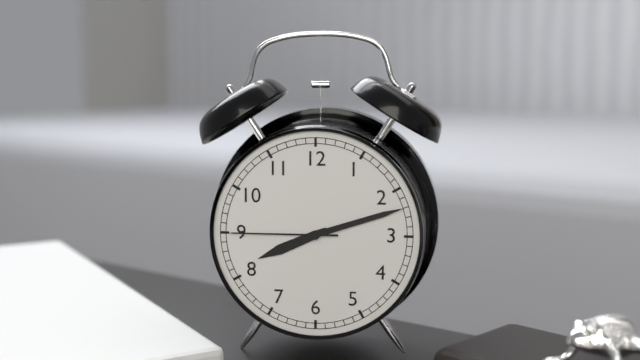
8:12:45
